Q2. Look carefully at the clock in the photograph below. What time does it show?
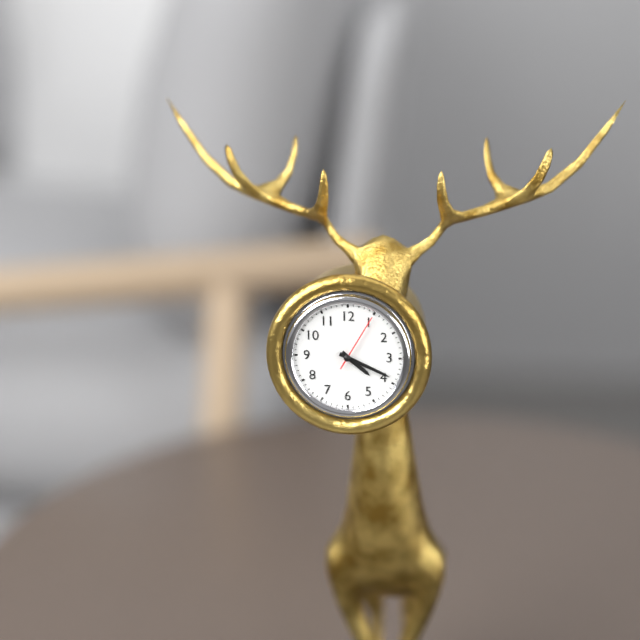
4:19:05
